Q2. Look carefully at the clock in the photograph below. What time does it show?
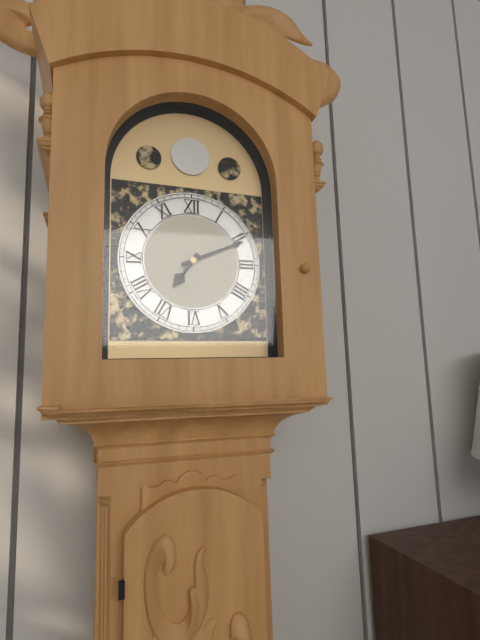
7:11
